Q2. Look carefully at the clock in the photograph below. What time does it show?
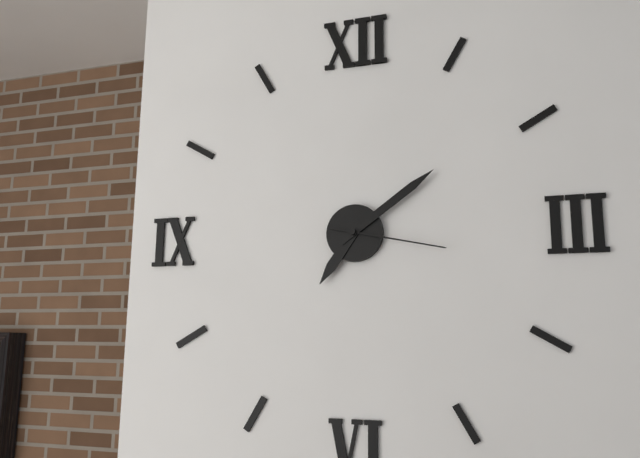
7:09:17
